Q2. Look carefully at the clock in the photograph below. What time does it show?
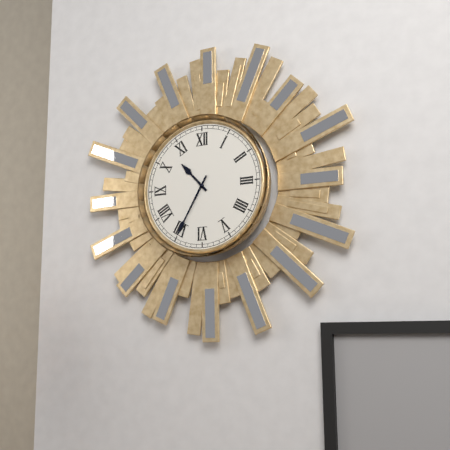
10:35
